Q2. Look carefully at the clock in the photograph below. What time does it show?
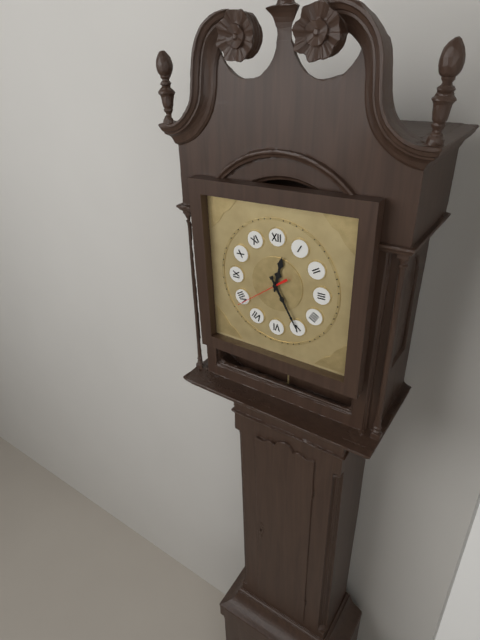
12:25:39
